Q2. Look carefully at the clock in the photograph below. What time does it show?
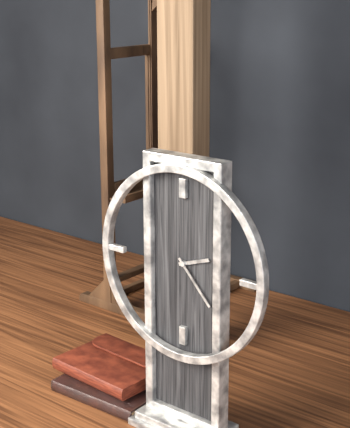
2:23
